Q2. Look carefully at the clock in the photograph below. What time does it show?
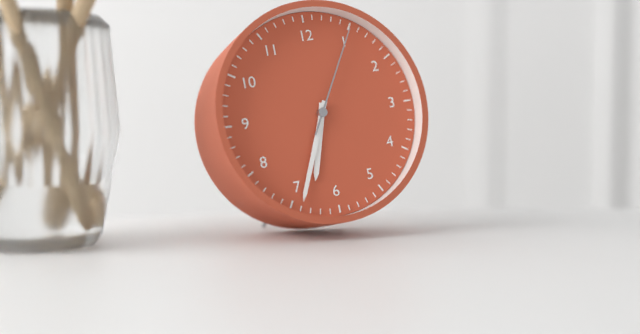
6:34:05
